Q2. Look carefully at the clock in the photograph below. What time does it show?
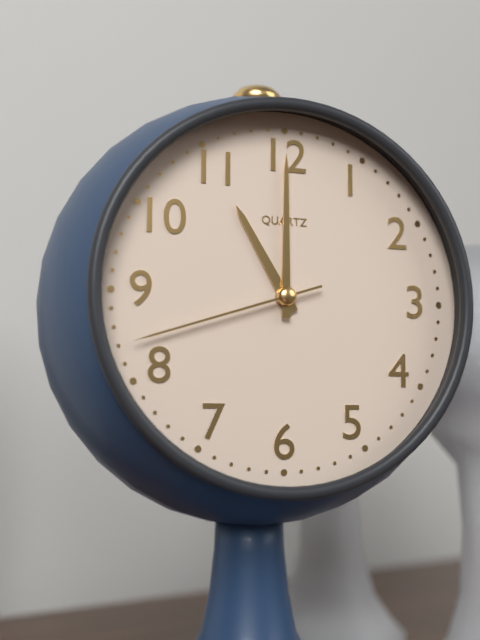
11:00:42
